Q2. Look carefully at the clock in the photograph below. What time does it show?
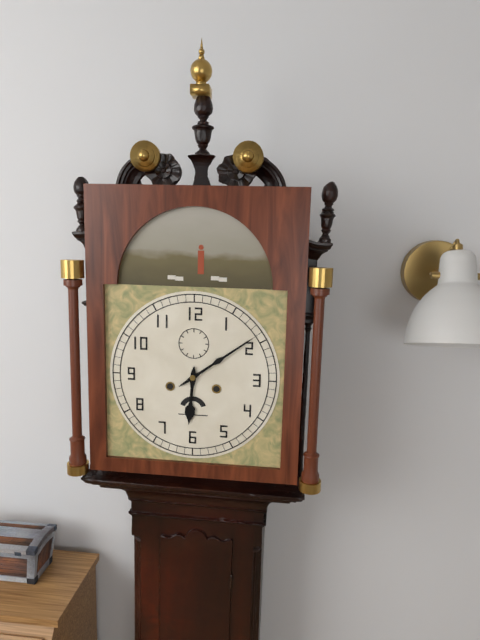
6:09
